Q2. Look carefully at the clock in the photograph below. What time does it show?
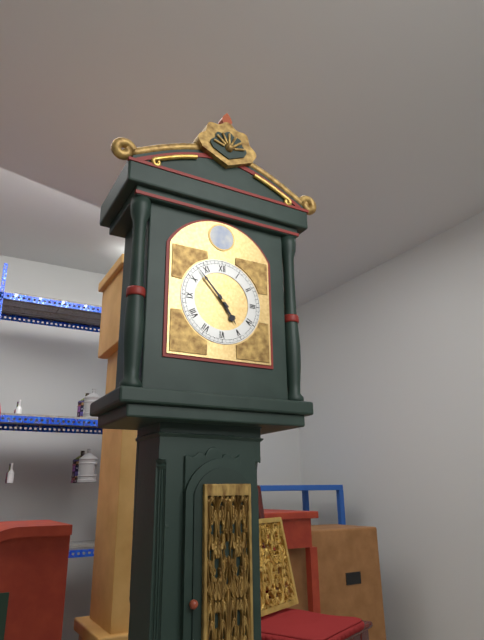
4:53
